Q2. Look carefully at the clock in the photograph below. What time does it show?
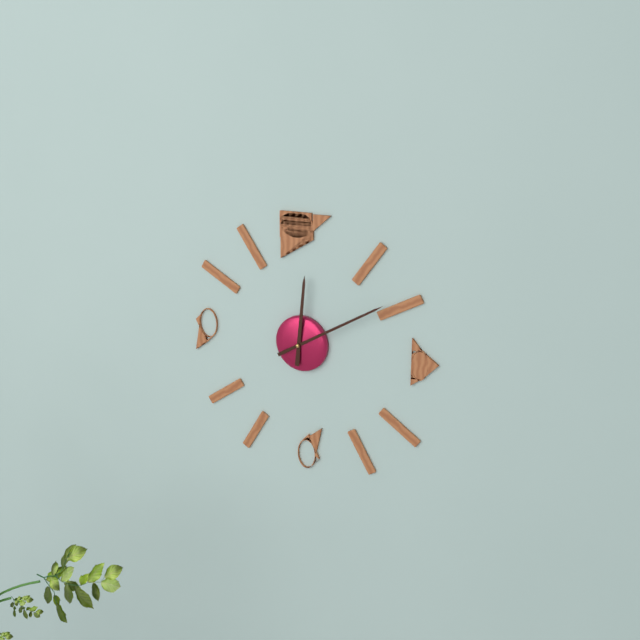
12:10
